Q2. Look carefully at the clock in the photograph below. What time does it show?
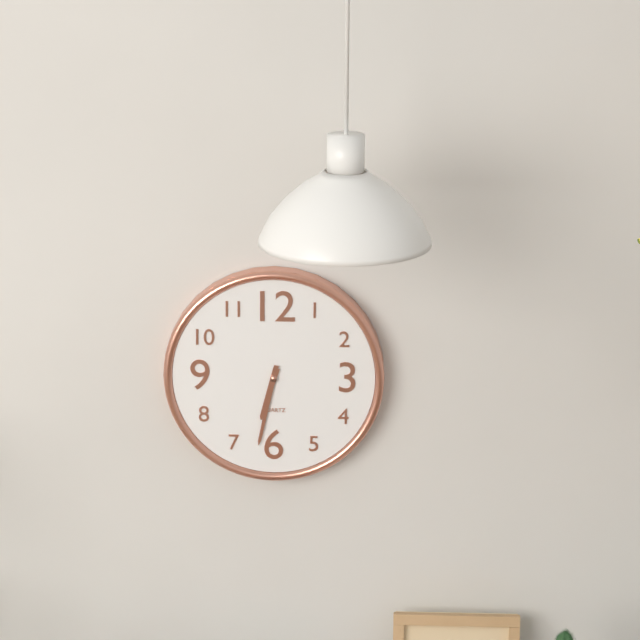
6:32
